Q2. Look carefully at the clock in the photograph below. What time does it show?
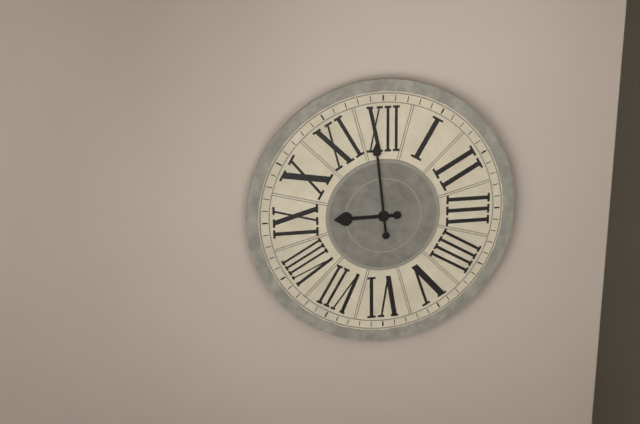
8:59
